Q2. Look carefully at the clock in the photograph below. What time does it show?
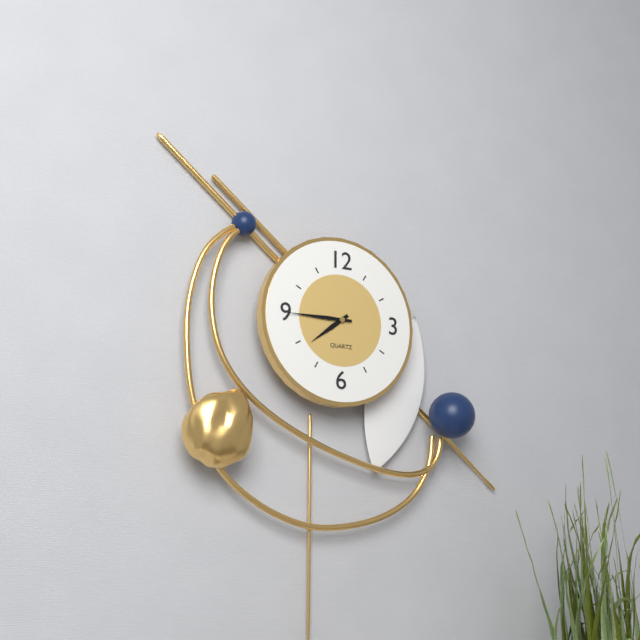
7:45
